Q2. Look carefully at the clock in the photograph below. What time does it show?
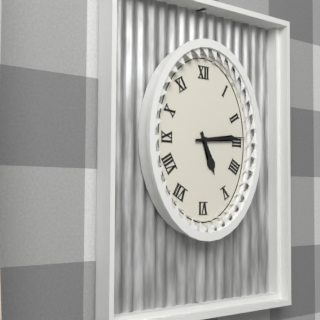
5:14
